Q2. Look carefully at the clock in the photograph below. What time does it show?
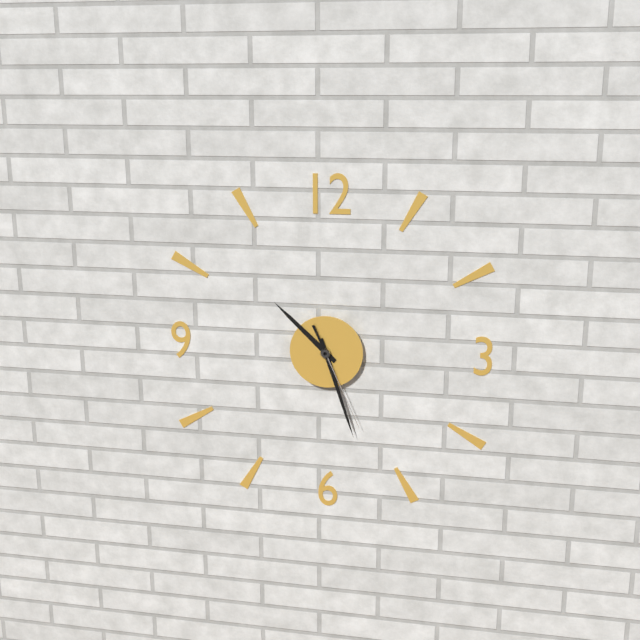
10:27:26
